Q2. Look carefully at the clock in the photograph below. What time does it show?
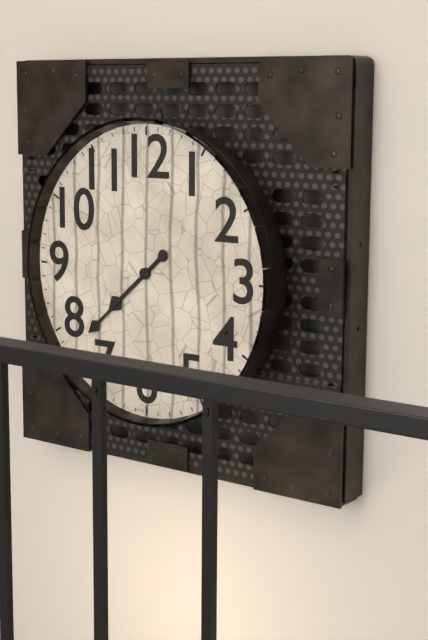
7:38
